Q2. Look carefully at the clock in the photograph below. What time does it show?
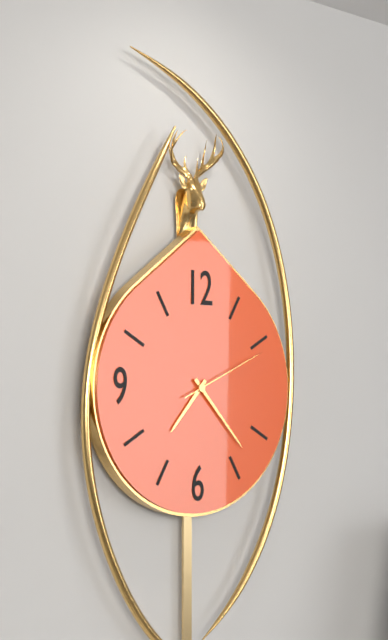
7:23:11
